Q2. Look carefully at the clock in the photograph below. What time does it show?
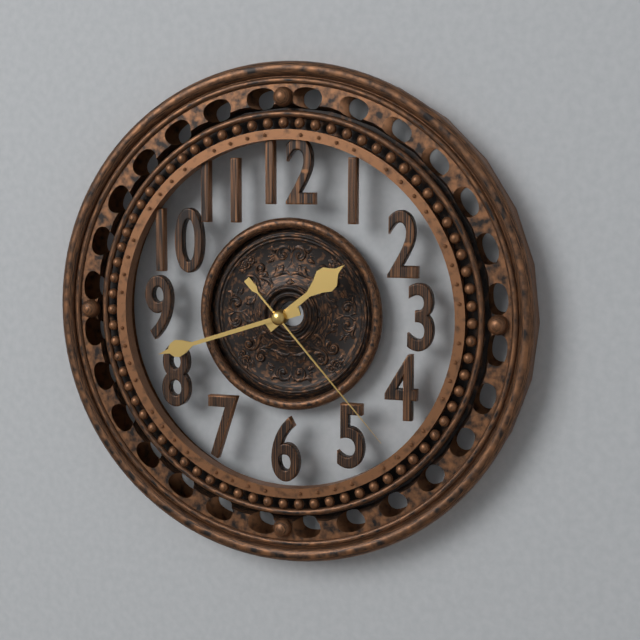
1:42:23
